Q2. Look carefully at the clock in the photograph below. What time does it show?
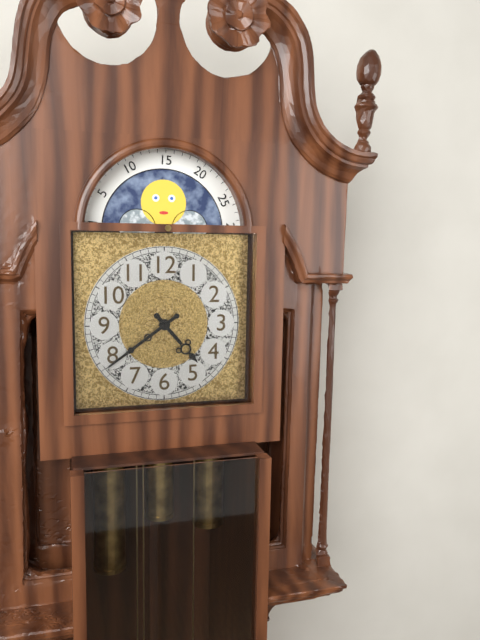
4:39
